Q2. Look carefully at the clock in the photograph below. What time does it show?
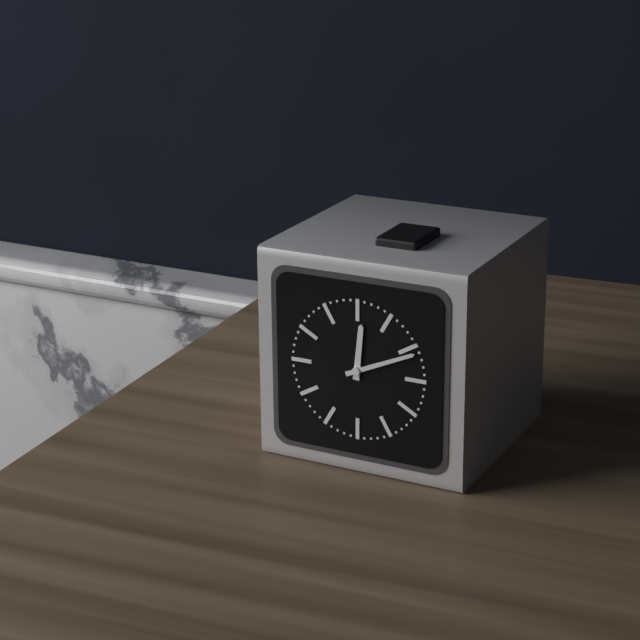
12:11
